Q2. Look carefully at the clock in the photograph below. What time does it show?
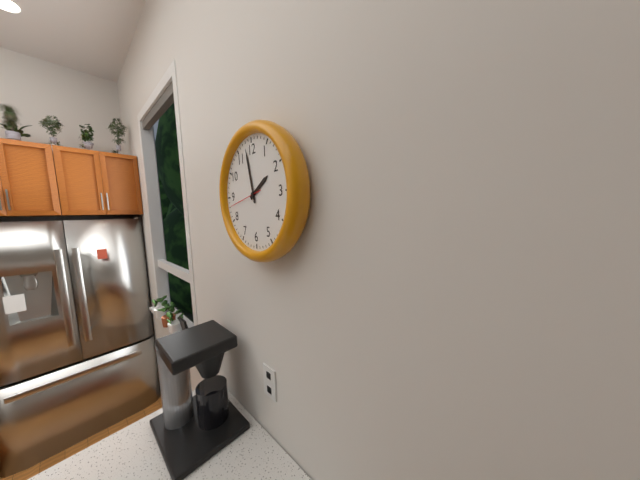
1:58
